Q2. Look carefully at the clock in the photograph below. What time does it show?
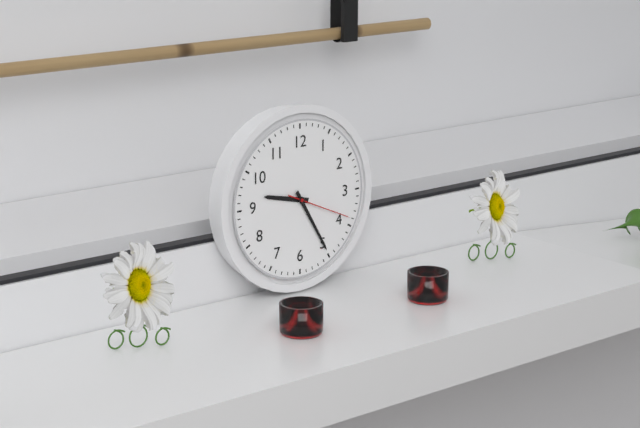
9:25:19
